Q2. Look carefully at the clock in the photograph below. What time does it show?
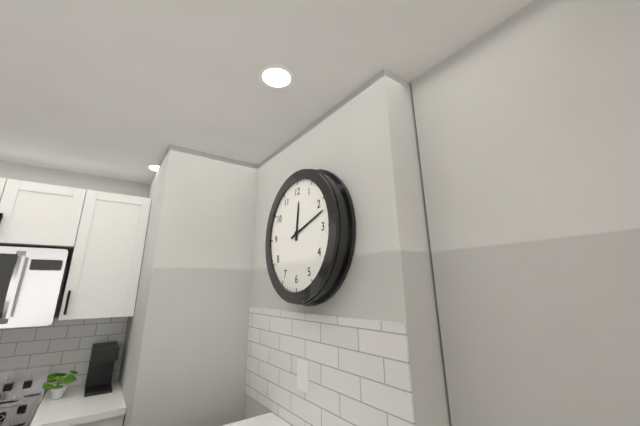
12:12
